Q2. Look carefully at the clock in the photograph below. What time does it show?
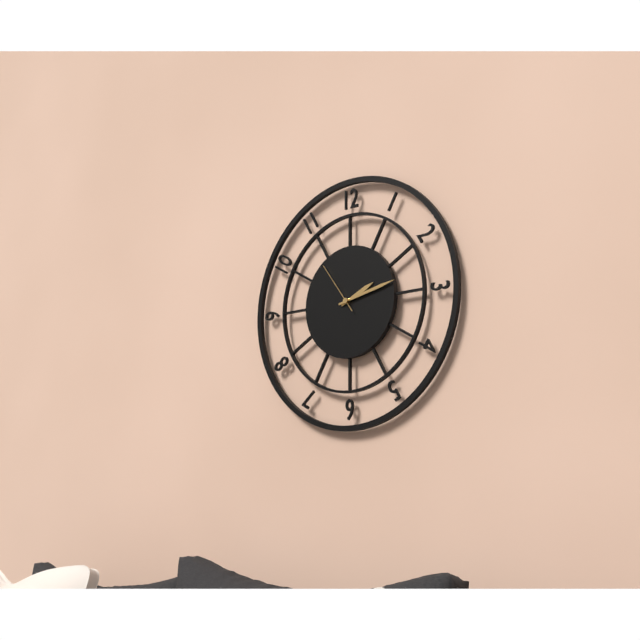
2:13:54
